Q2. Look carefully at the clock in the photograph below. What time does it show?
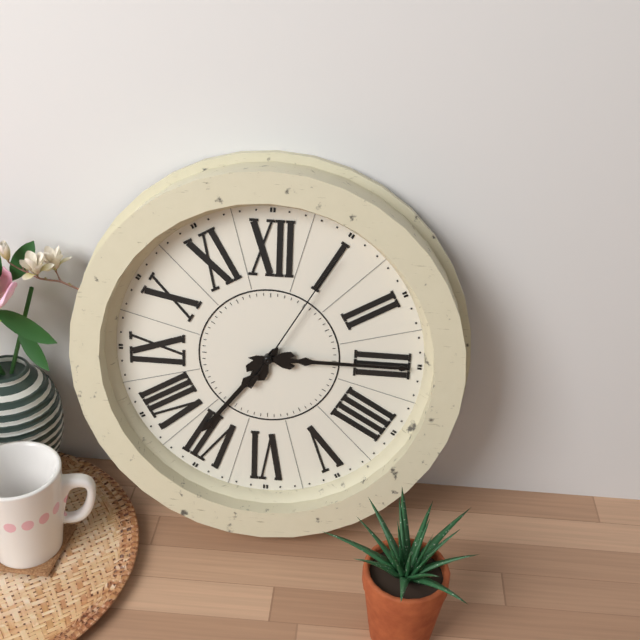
7:15:05
